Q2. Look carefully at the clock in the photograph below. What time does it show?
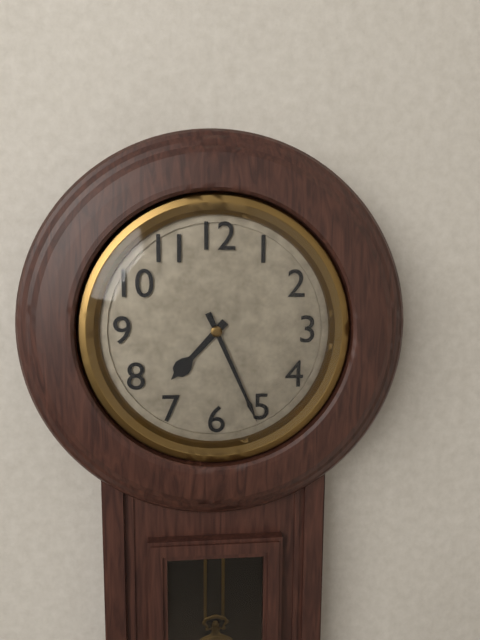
7:26
